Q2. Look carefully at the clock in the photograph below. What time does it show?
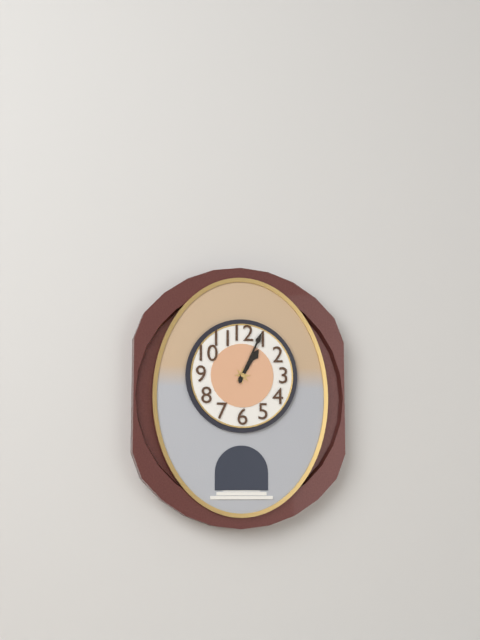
1:04
